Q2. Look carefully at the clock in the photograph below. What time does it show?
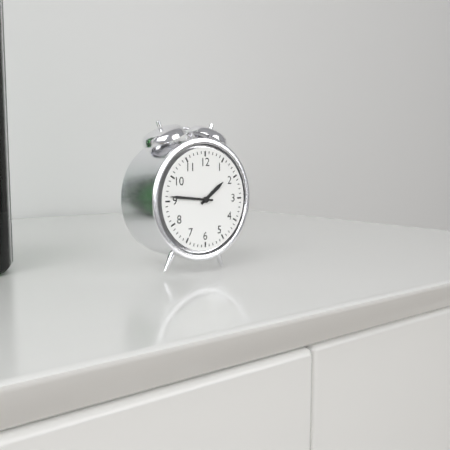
1:46
